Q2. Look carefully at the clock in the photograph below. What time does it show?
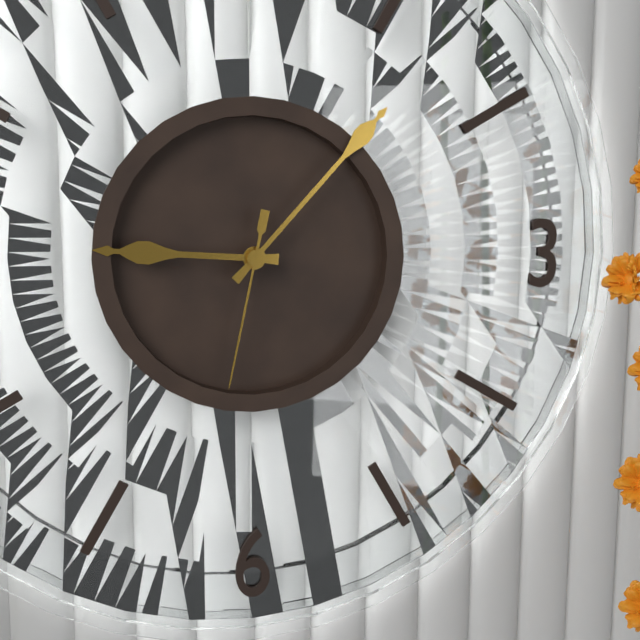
9:07:32
